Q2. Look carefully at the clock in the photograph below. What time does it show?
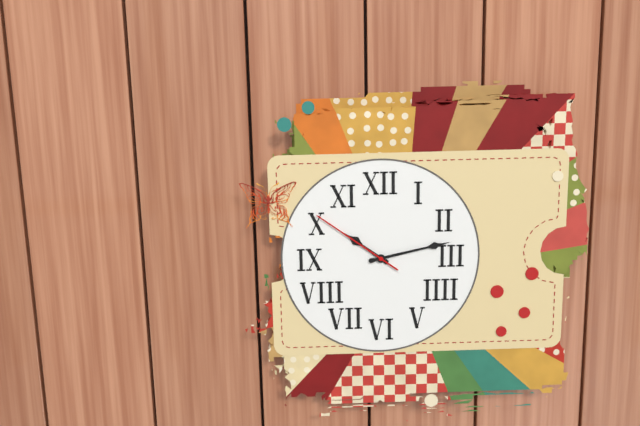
10:13:51
